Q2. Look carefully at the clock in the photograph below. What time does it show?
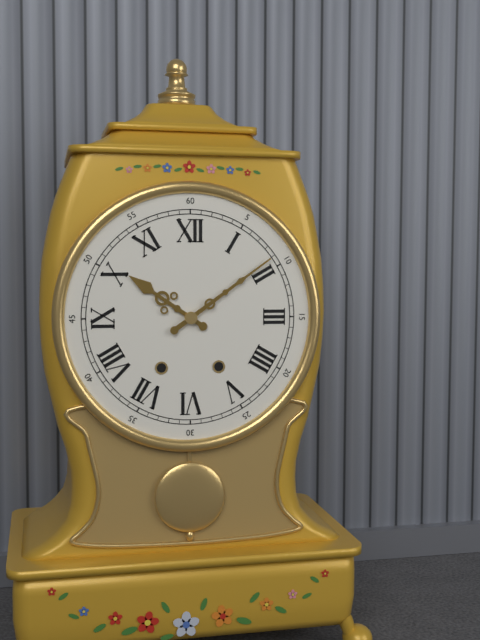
10:09
